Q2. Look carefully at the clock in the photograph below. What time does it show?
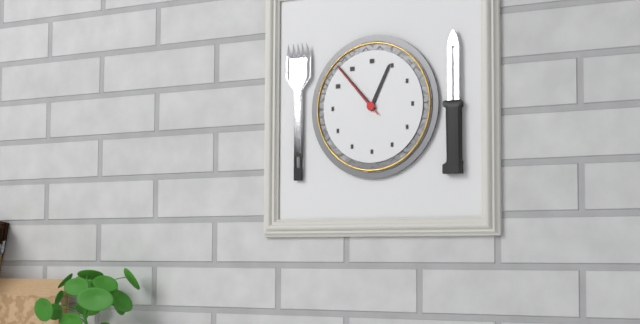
12:53:53
